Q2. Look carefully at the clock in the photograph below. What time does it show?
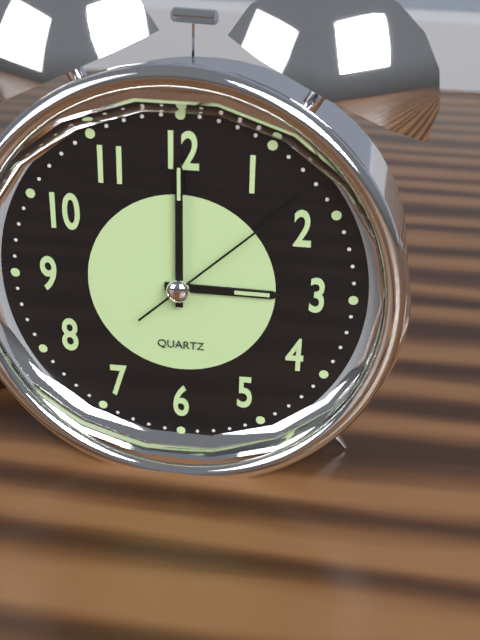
3:00:08
